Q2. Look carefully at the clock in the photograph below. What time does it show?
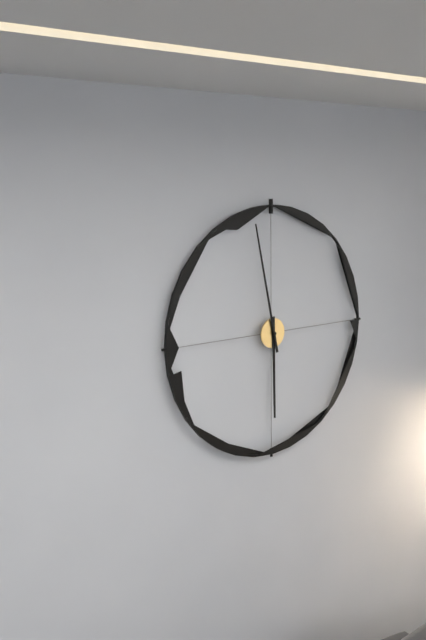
5:58
